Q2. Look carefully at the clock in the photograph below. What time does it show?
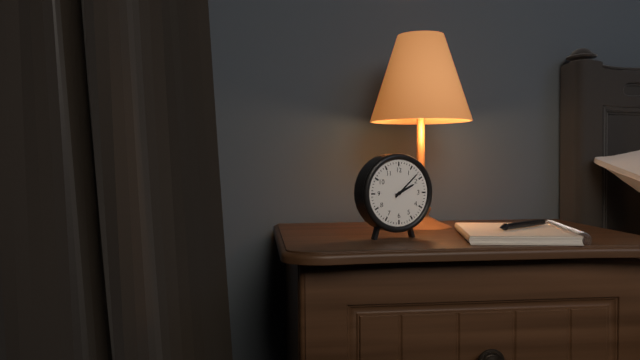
2:08
